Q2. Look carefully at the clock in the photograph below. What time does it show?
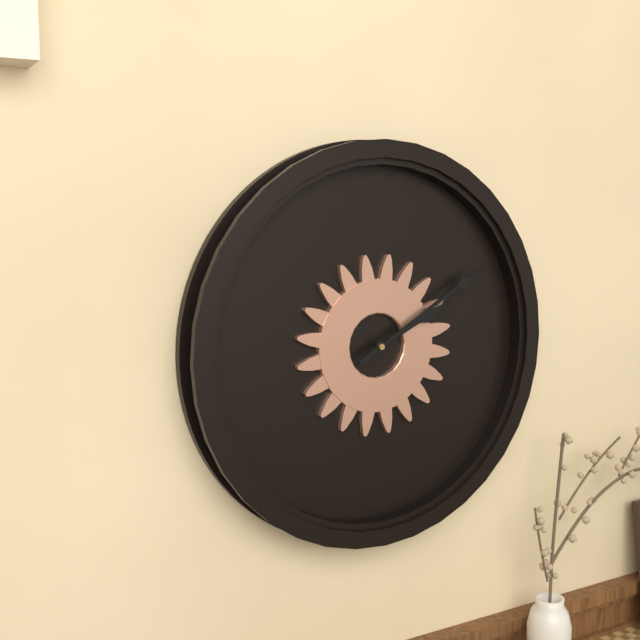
2:10
